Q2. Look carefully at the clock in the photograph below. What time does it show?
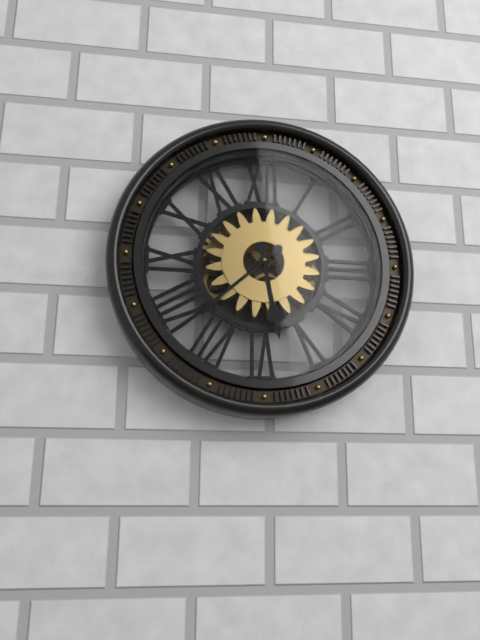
5:38
